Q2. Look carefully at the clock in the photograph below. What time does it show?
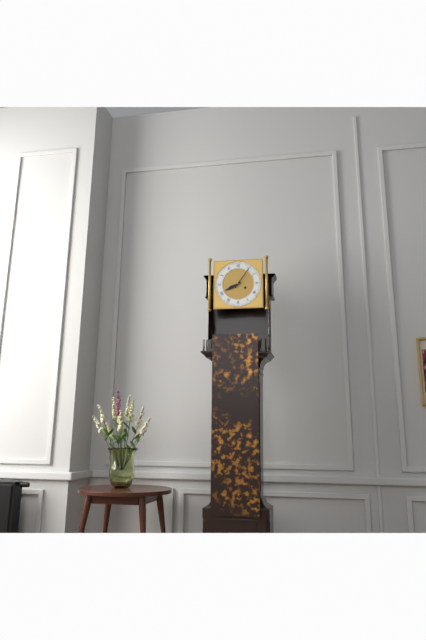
8:06
